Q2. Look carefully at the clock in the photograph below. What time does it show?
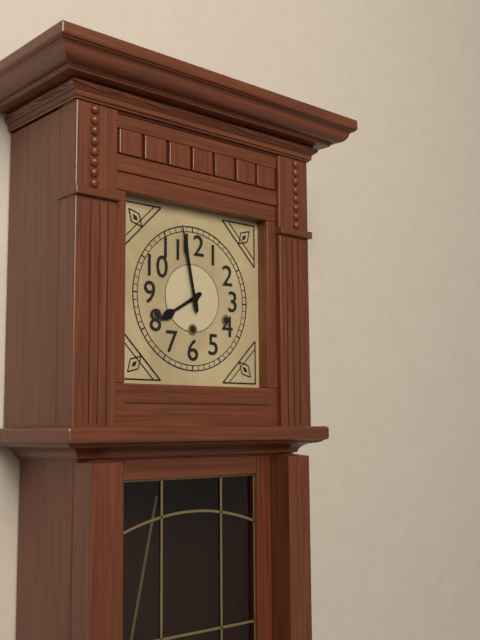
7:58
